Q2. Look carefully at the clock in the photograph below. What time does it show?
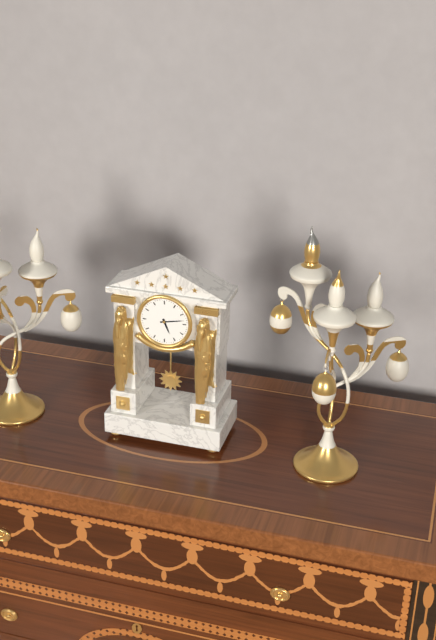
5:13
